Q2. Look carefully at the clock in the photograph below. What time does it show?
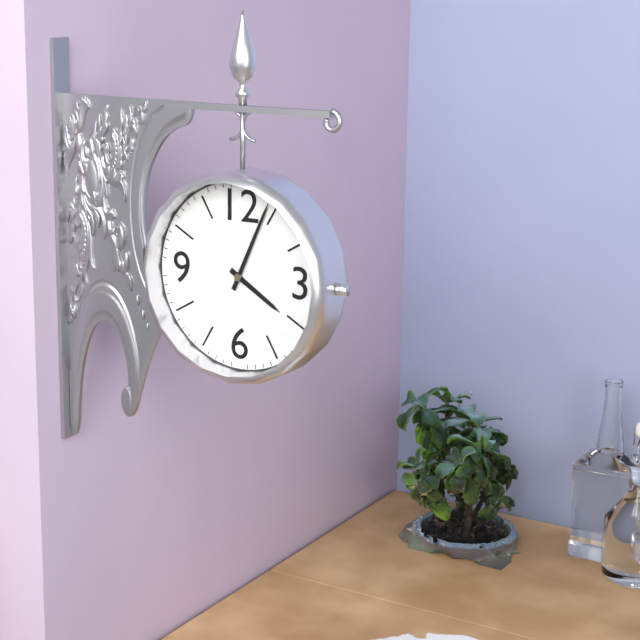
4:04
